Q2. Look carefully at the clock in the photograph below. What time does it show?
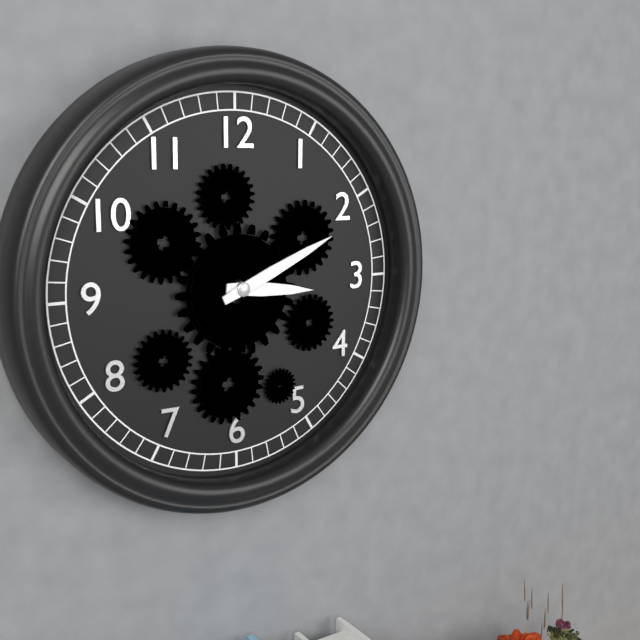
3:11
